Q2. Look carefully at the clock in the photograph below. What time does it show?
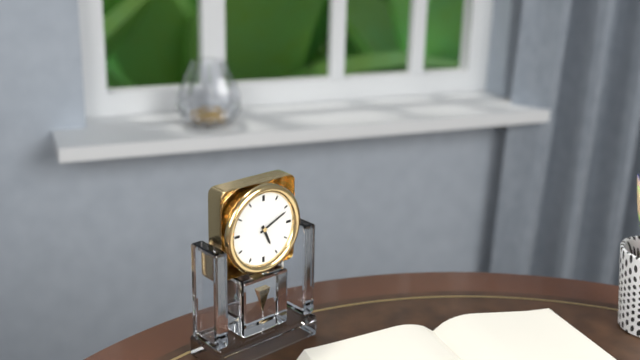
5:11
